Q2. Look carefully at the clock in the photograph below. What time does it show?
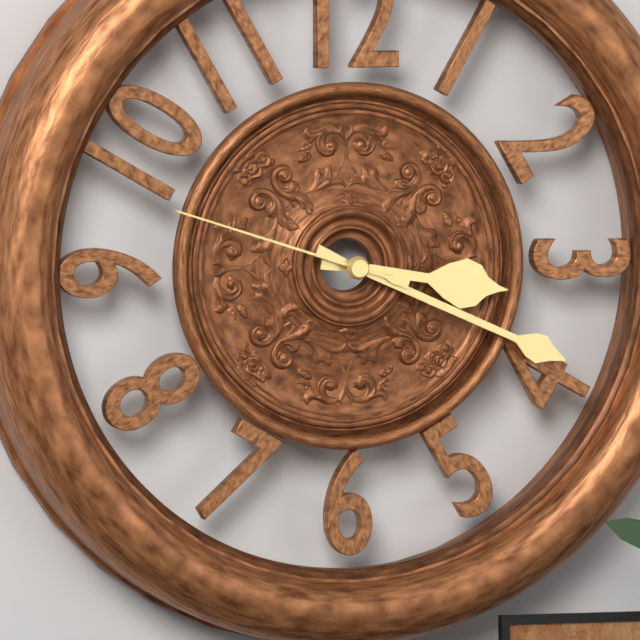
3:19:48
